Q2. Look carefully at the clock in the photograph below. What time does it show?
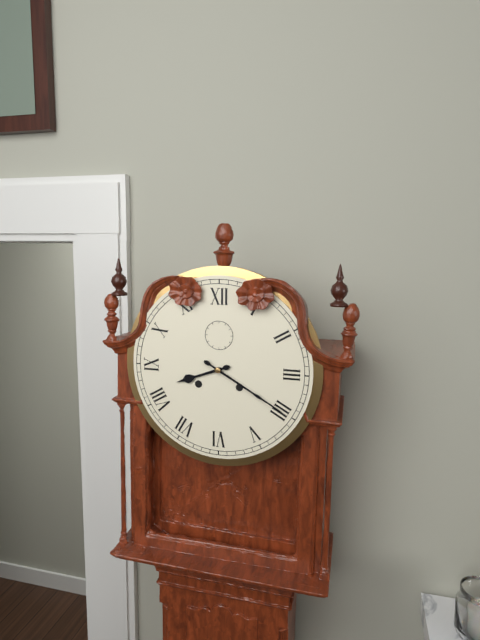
8:20
